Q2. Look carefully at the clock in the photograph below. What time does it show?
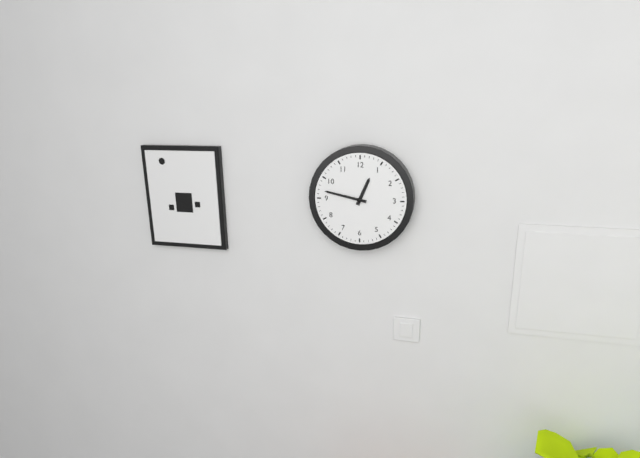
12:47
